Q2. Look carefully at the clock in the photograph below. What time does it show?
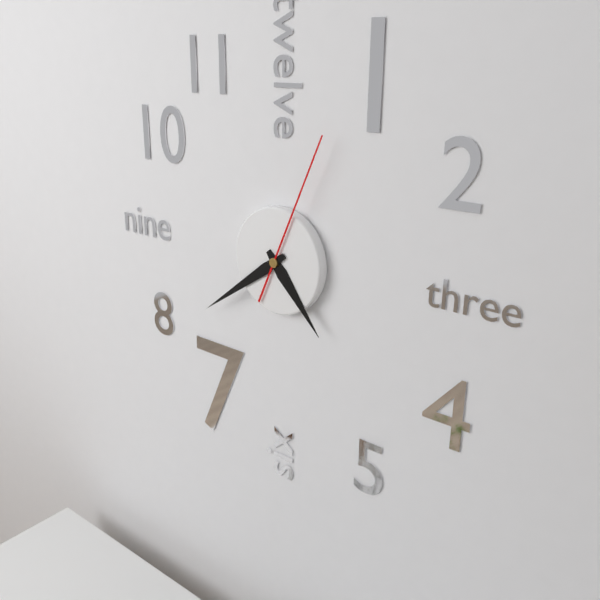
4:39:04
